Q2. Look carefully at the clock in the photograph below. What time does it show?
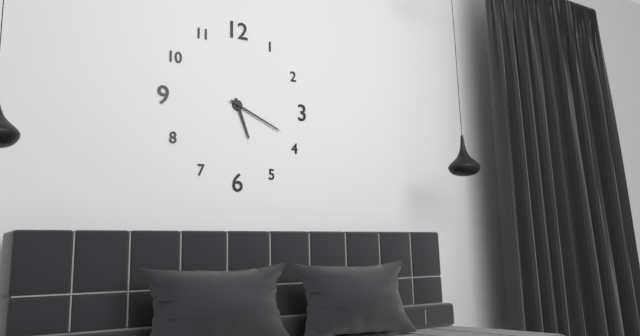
5:19
